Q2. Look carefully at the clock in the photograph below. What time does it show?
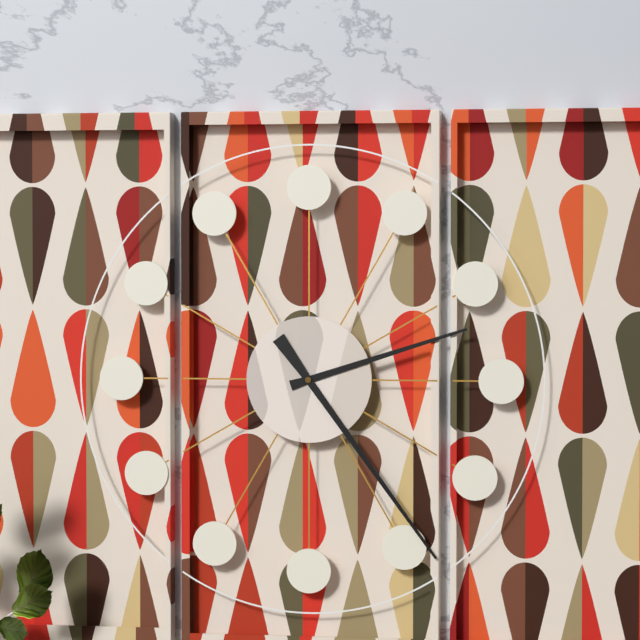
2:24
